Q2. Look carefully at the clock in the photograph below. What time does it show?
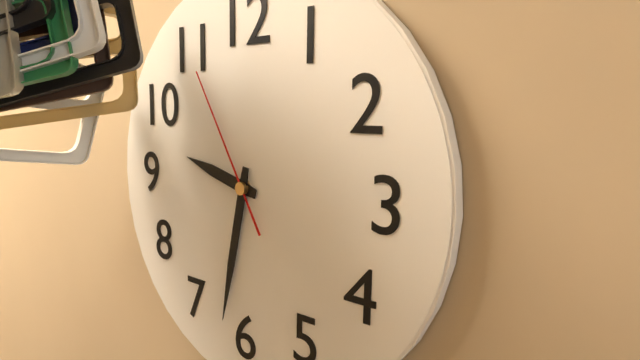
9:32:55
